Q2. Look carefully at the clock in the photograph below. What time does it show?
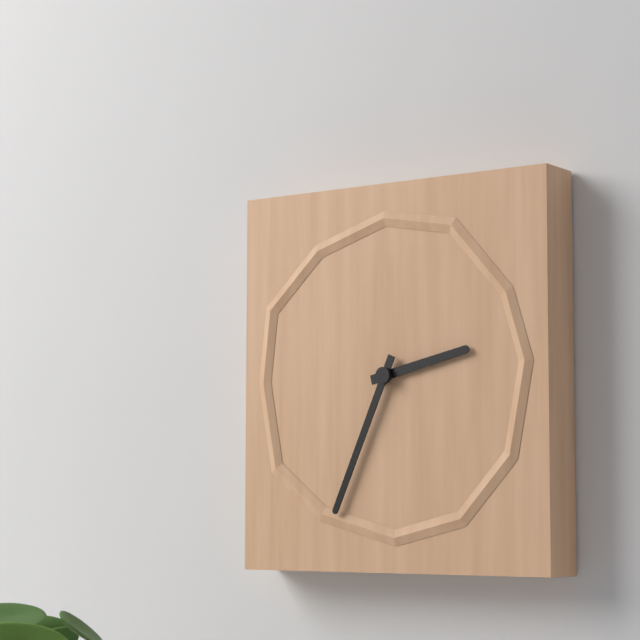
2:34
